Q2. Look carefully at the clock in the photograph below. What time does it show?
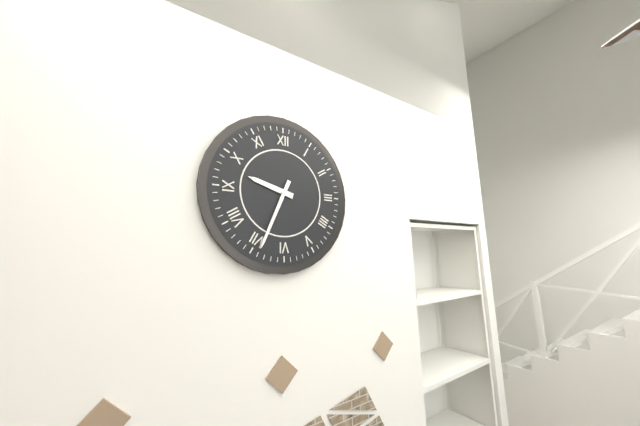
9:34
